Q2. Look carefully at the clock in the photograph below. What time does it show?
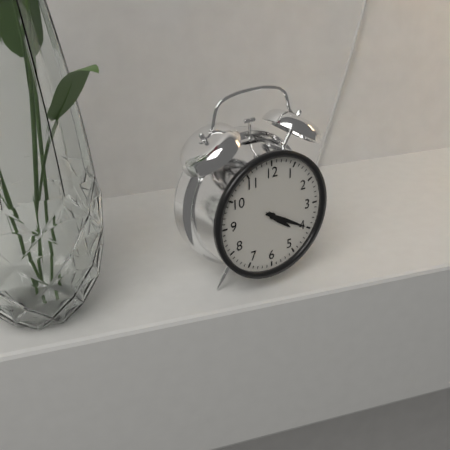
4:20
